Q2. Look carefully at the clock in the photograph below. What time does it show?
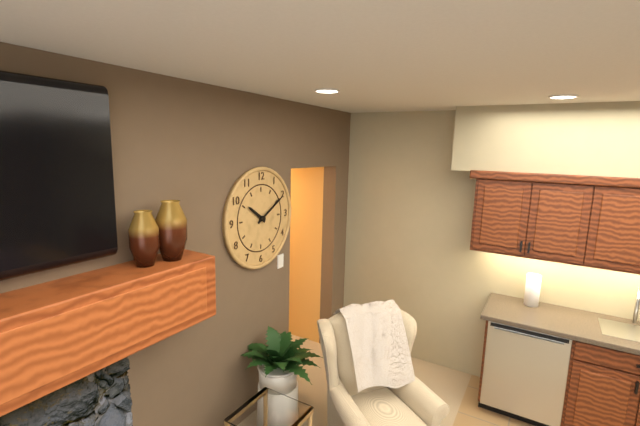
10:10
